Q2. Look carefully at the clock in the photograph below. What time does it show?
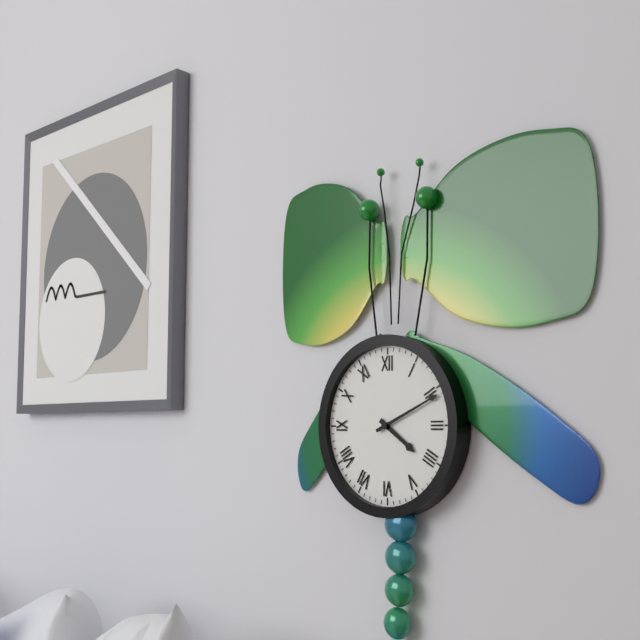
4:11
